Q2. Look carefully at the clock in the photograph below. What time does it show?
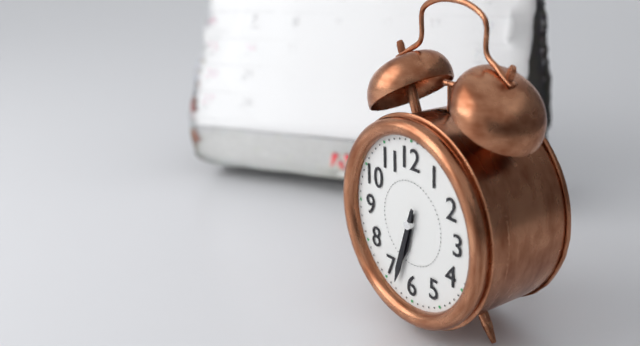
6:33
